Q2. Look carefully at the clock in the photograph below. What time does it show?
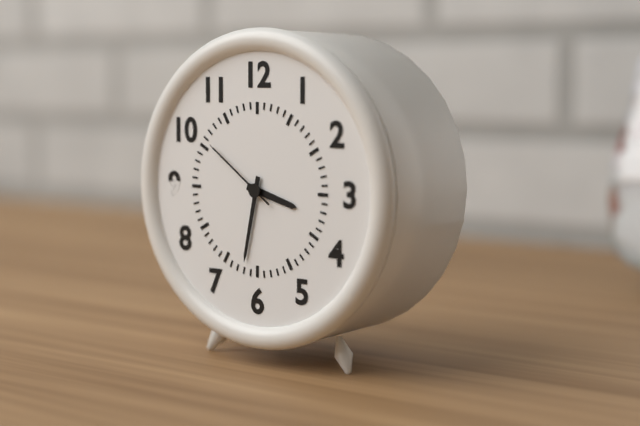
3:32:51
